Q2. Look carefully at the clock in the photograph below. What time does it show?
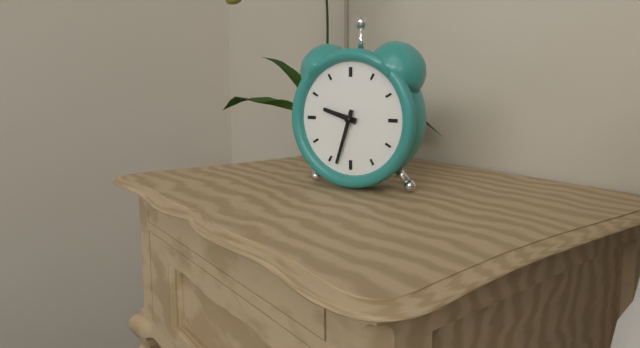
9:33
